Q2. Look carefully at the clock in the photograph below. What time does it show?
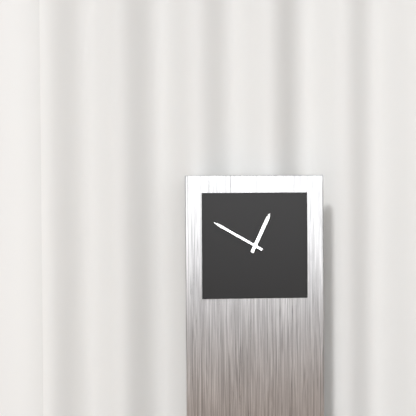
12:50
